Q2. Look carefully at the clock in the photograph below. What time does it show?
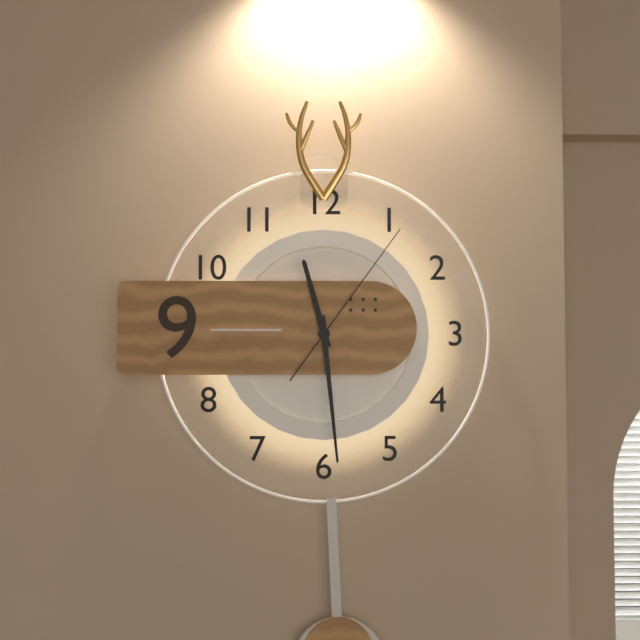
11:29:06
